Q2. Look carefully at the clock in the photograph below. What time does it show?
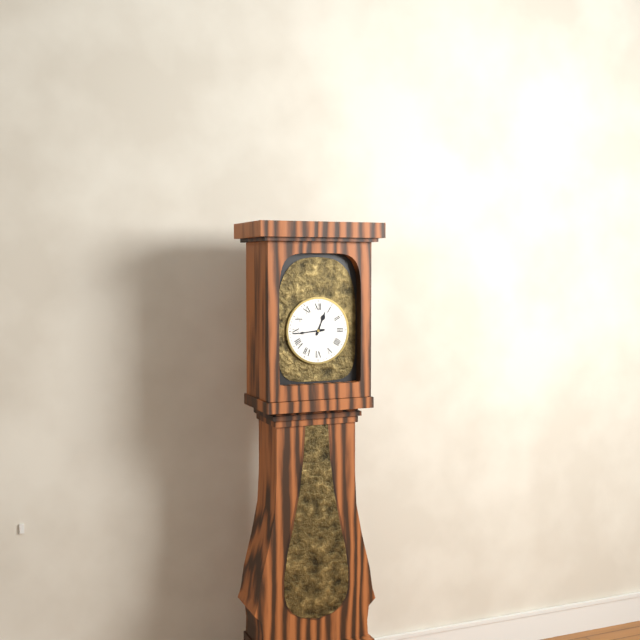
12:44
